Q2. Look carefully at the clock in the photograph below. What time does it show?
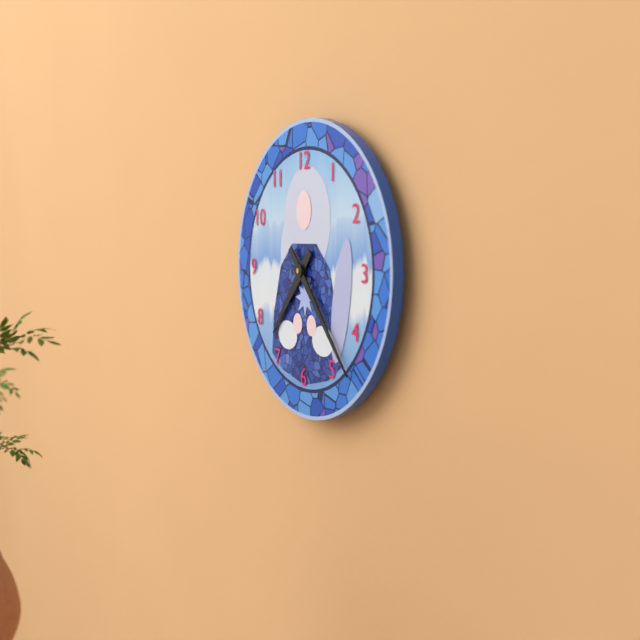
7:23
